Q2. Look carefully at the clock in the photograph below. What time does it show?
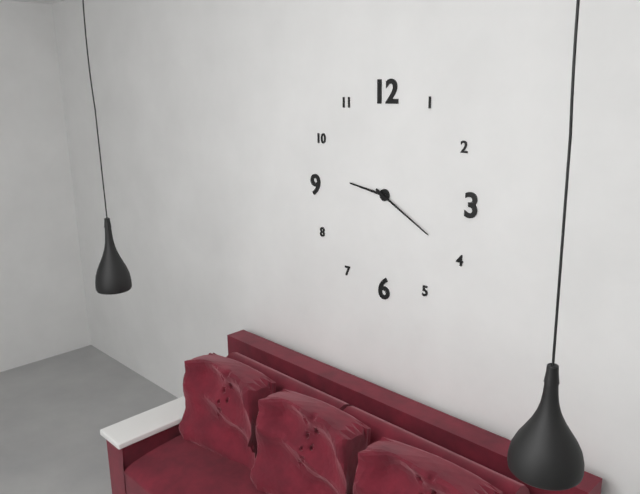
9:20
